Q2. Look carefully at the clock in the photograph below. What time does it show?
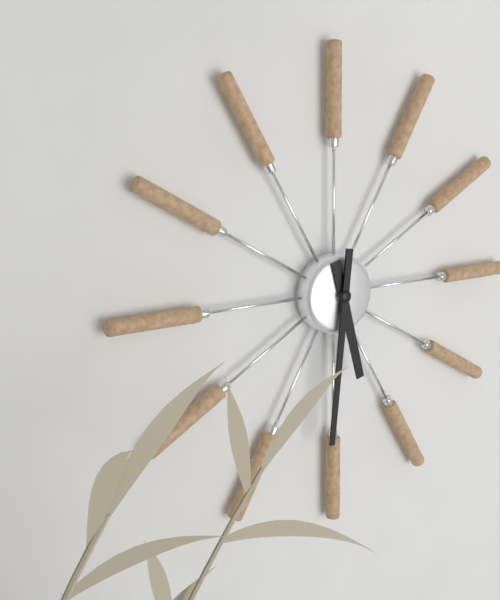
5:31
